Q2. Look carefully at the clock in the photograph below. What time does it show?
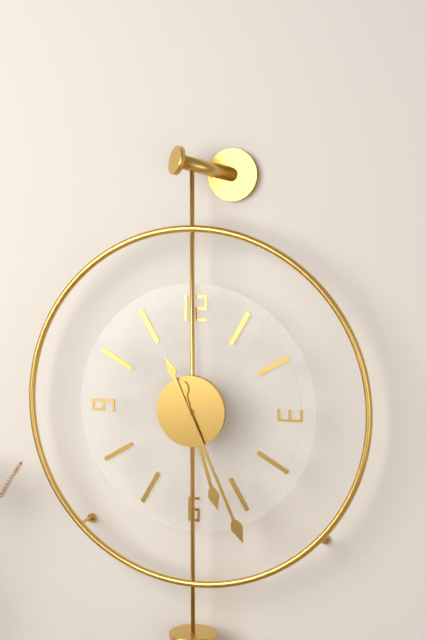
5:26
